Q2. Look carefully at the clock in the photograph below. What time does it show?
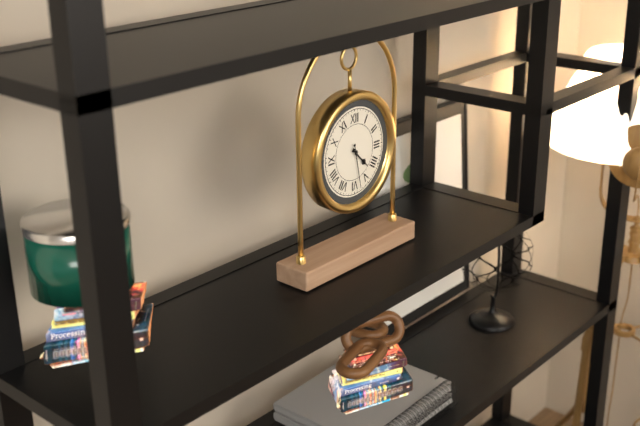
4:28
